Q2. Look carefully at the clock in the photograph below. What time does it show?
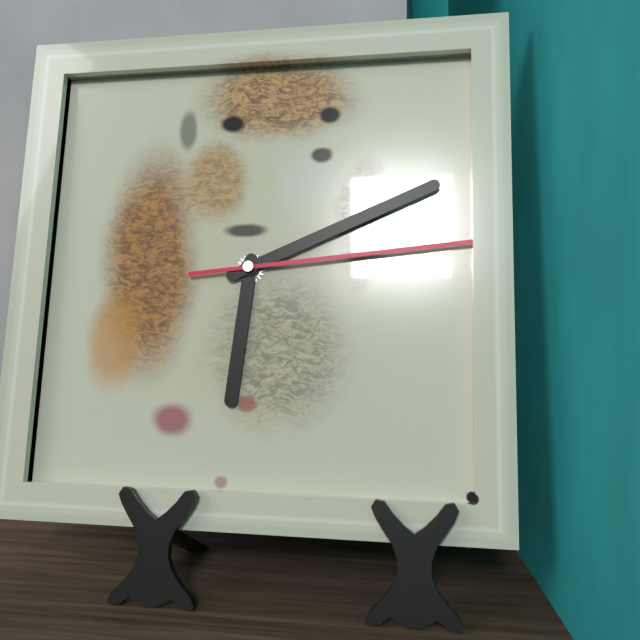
6:11:14
